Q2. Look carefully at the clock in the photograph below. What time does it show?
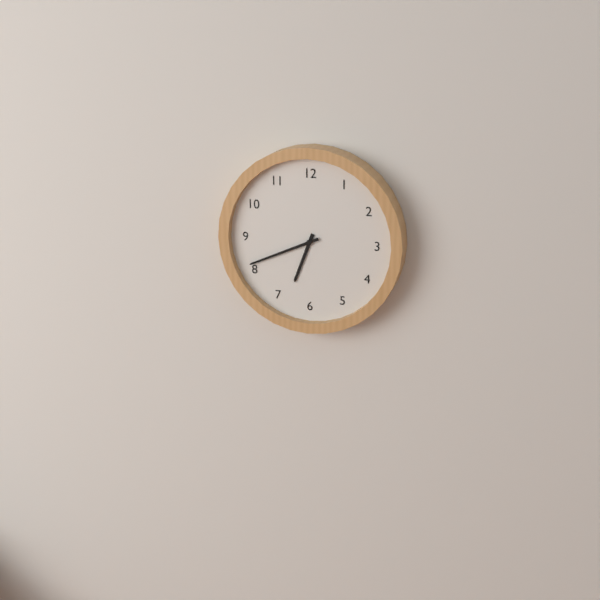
6:41
